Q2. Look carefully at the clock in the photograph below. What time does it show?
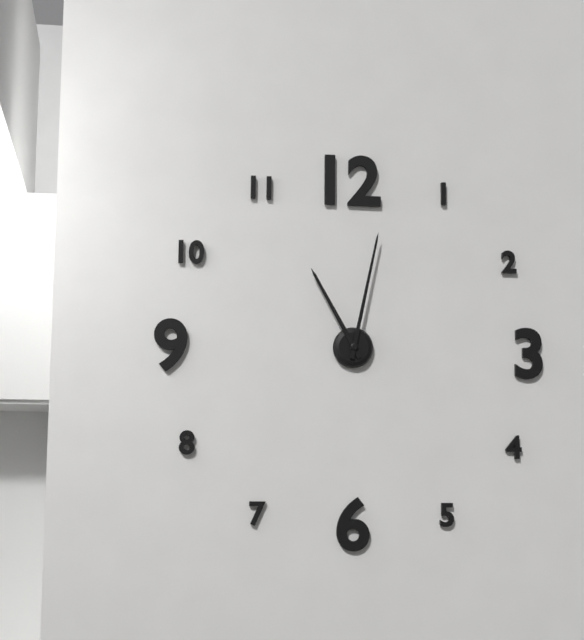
11:02
